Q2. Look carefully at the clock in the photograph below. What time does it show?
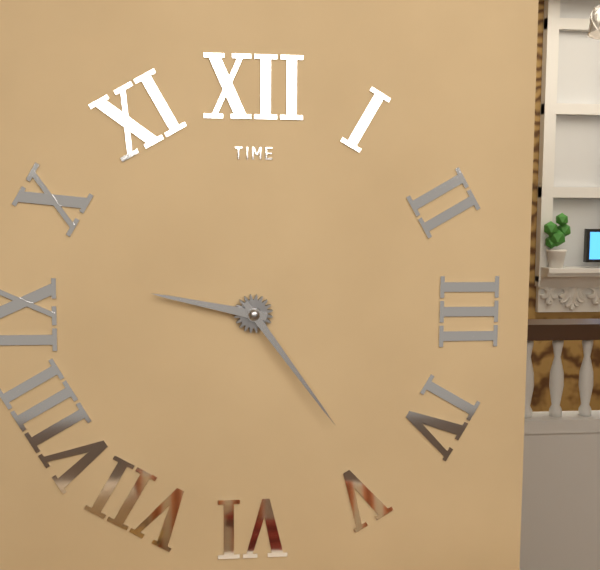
9:24
